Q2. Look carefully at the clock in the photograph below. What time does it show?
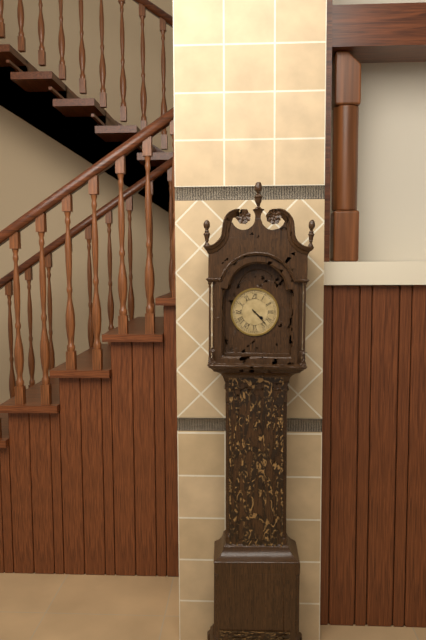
4:23
